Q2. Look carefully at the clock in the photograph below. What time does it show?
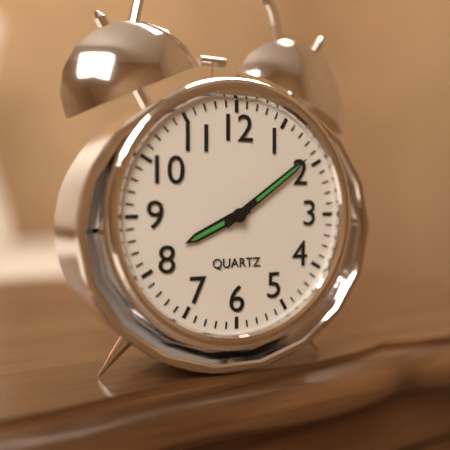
8:09
